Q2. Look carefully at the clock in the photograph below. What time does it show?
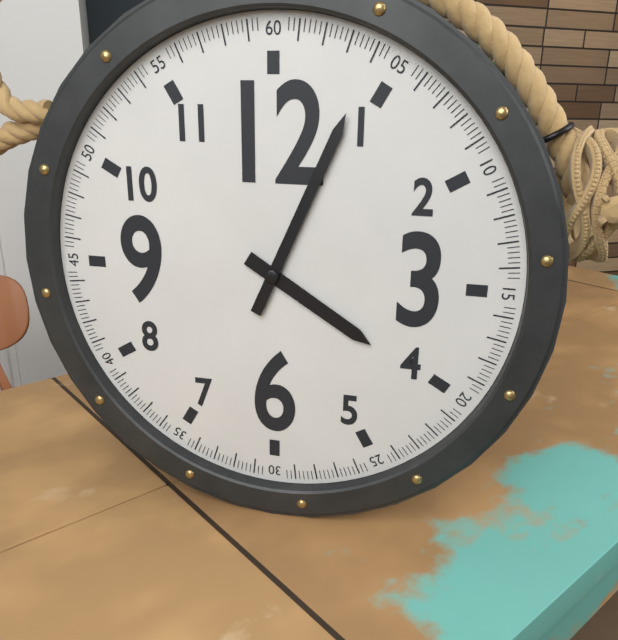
4:04
